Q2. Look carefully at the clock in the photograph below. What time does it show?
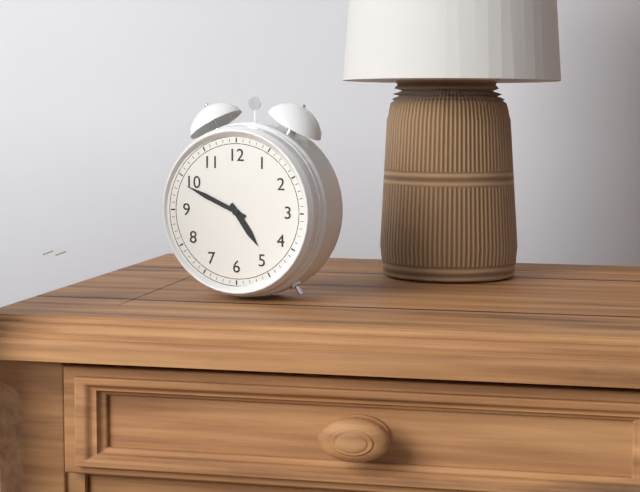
4:49
